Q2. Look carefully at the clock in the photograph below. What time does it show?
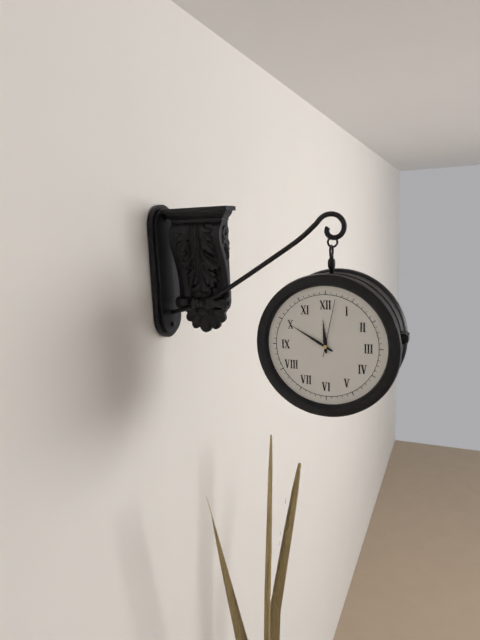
11:50:02
